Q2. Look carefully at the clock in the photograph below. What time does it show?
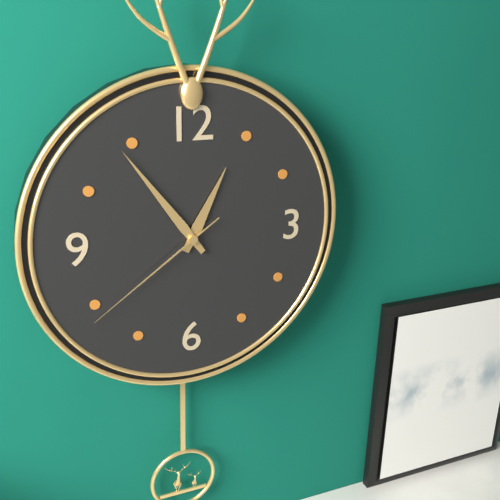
12:54:39
